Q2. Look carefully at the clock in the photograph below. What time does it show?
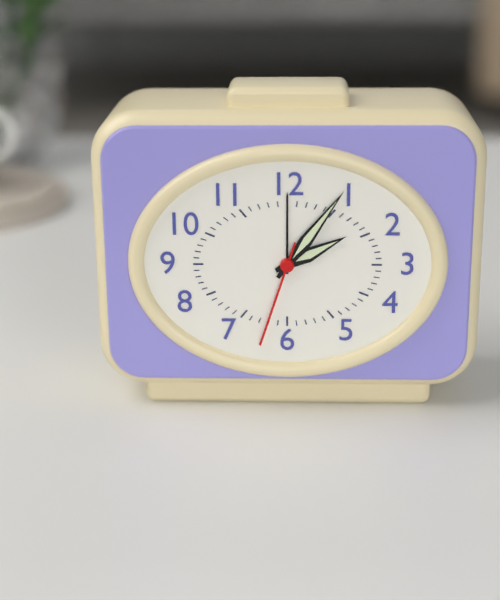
2:06:33
